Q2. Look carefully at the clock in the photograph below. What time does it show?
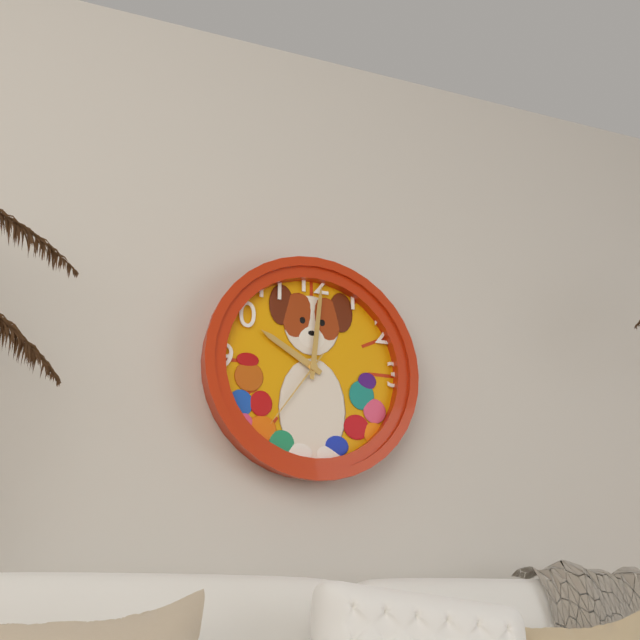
10:01:36
